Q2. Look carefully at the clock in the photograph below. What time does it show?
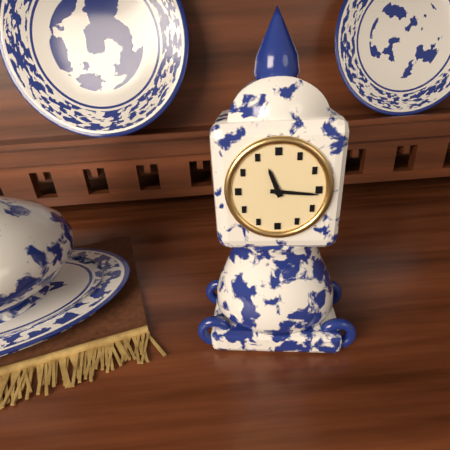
11:16
